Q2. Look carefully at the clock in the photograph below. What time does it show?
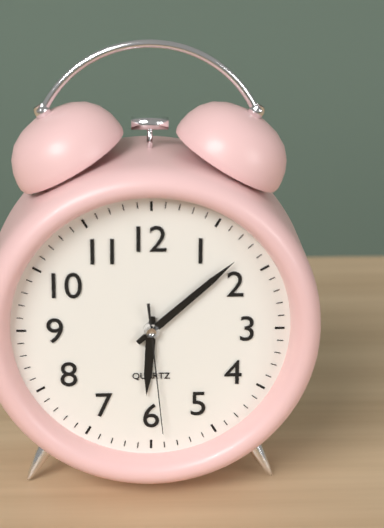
6:08:29
